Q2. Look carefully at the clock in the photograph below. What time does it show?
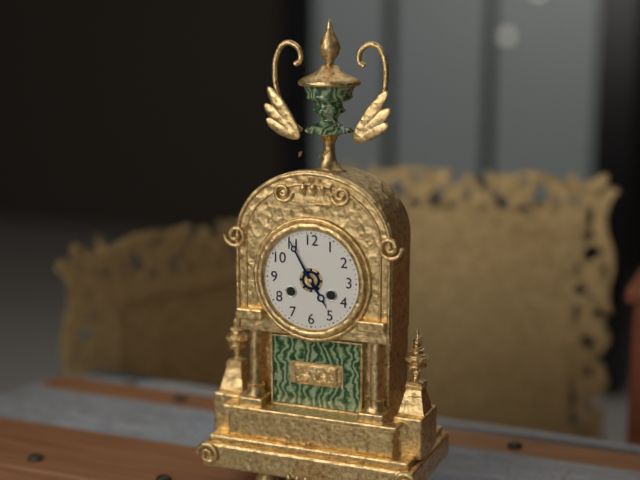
4:55
